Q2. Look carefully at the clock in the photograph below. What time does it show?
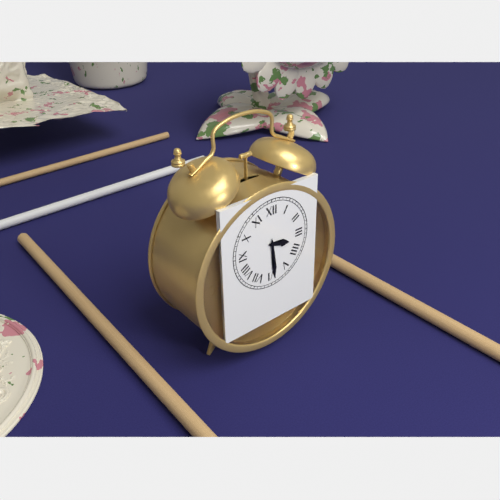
3:29
